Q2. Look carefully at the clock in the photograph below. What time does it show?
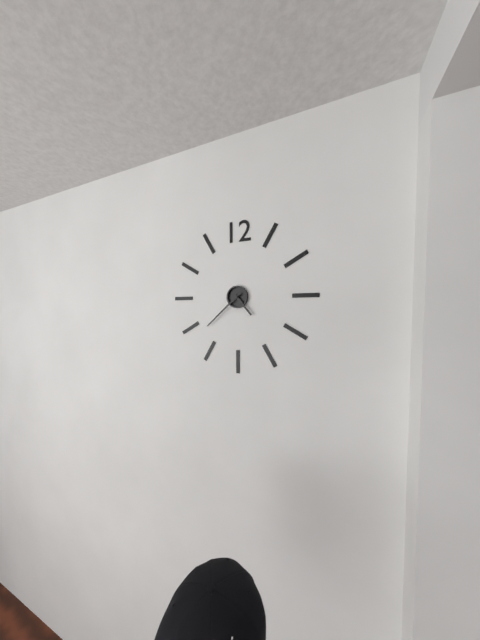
4:38
